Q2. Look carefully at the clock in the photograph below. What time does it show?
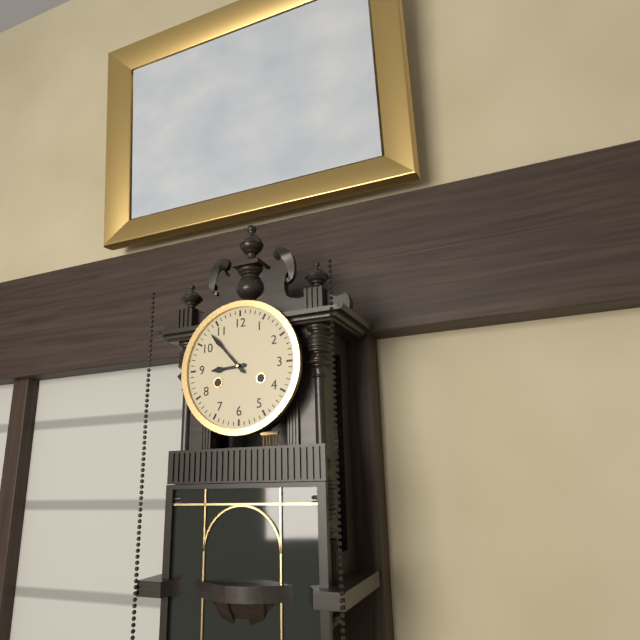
8:53
